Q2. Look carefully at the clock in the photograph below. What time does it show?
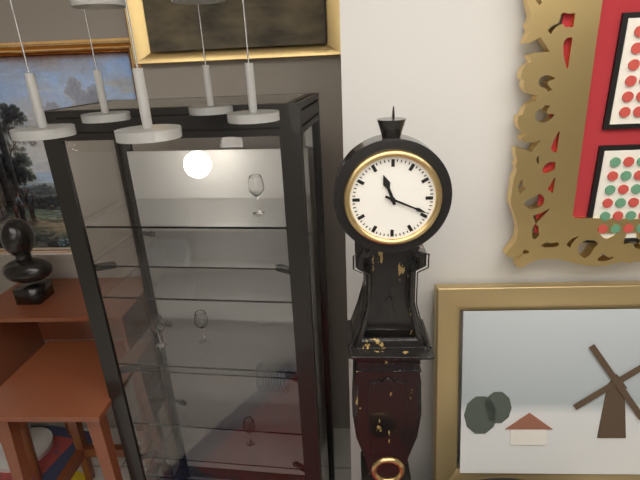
11:19
